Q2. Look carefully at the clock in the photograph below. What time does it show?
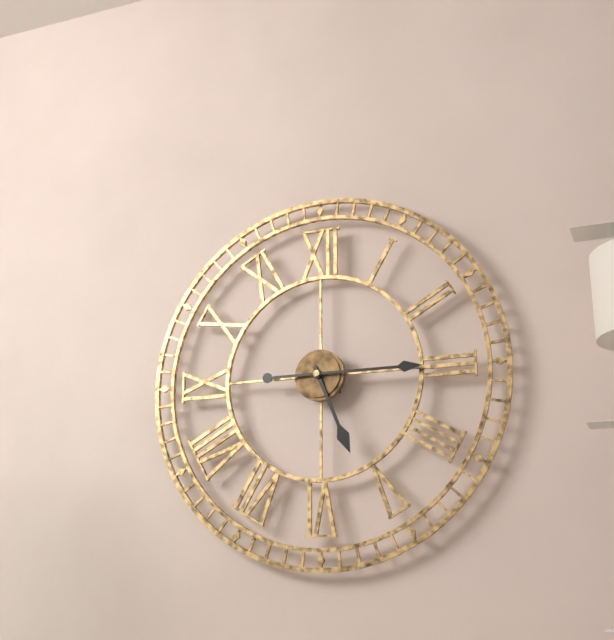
5:15
